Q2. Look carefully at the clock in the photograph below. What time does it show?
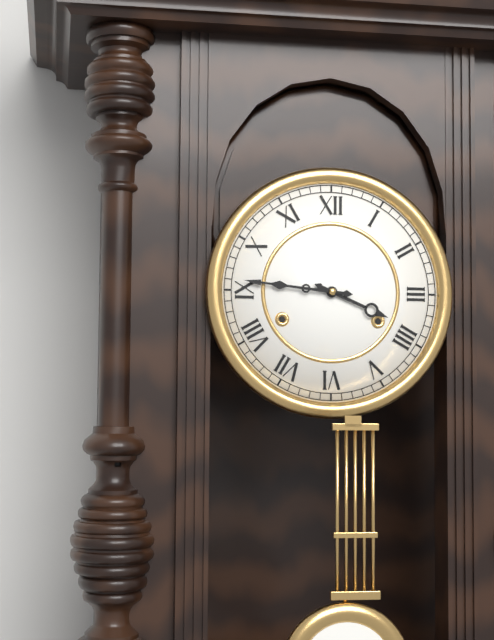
3:46
